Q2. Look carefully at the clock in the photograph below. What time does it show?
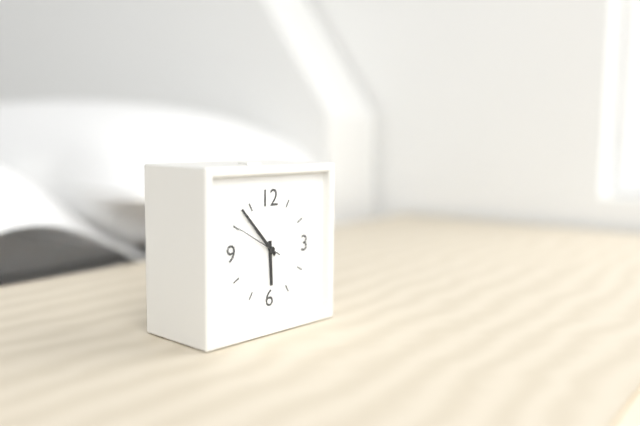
5:53
